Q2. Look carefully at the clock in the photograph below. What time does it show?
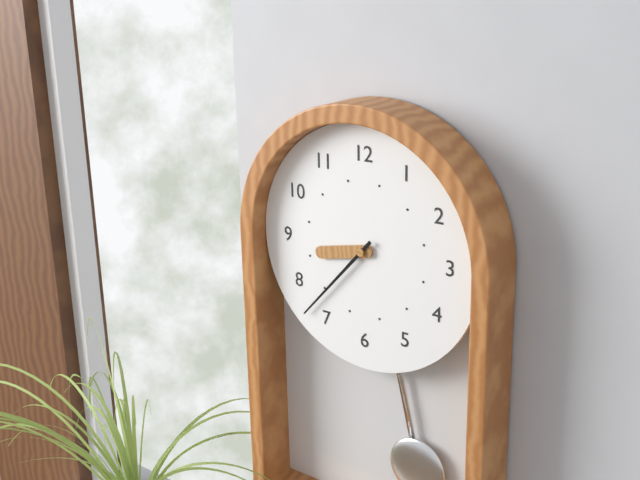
8:37
